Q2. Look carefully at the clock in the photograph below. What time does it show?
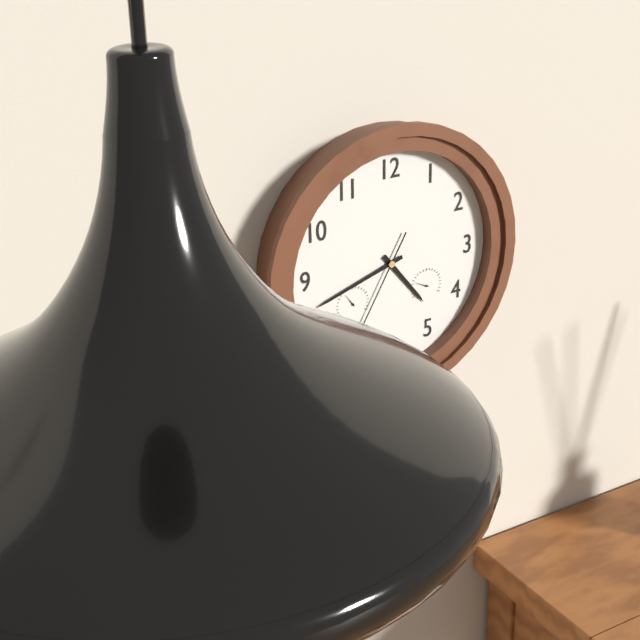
4:42
